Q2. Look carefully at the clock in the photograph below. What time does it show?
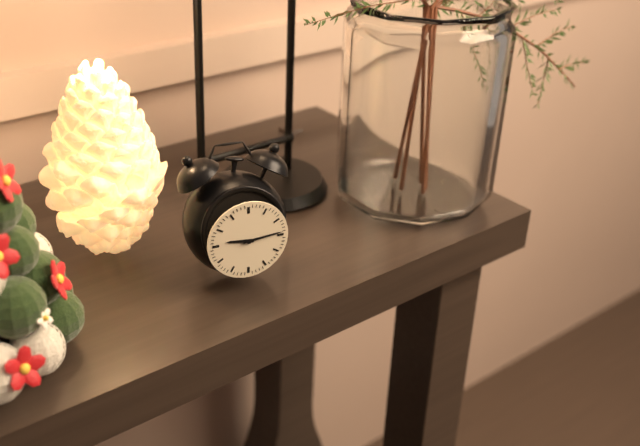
9:14
